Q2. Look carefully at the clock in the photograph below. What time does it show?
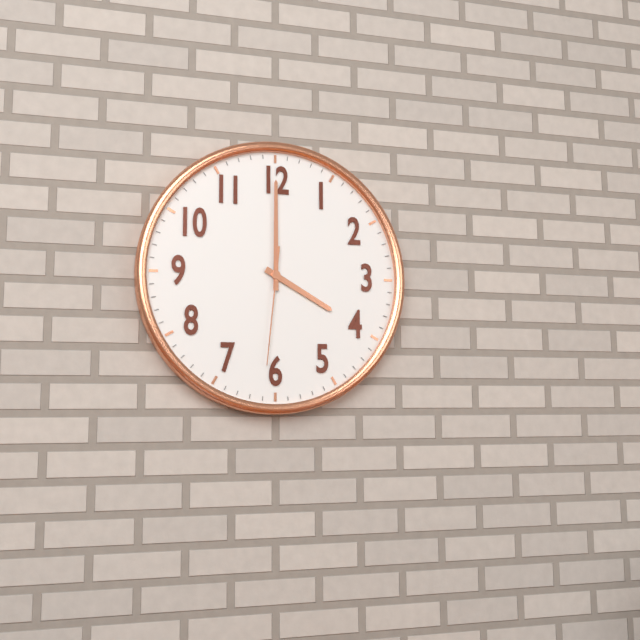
4:00:31
